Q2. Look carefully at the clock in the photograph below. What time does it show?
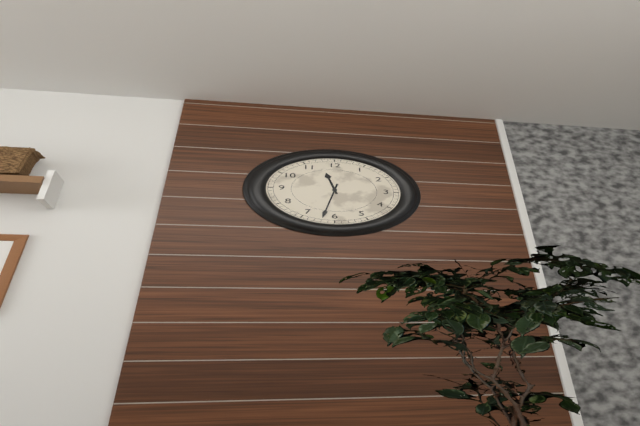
11:32
